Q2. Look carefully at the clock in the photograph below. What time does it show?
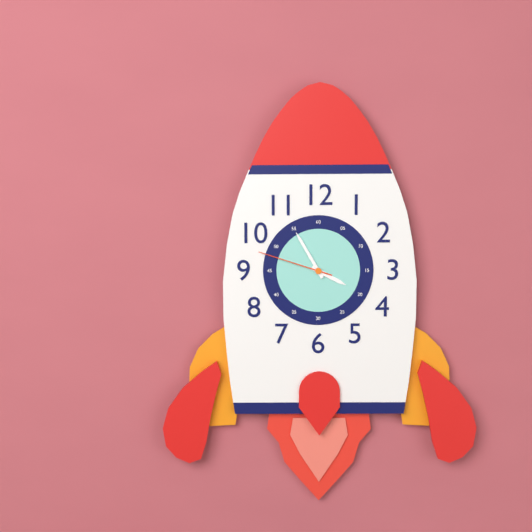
3:55:48
